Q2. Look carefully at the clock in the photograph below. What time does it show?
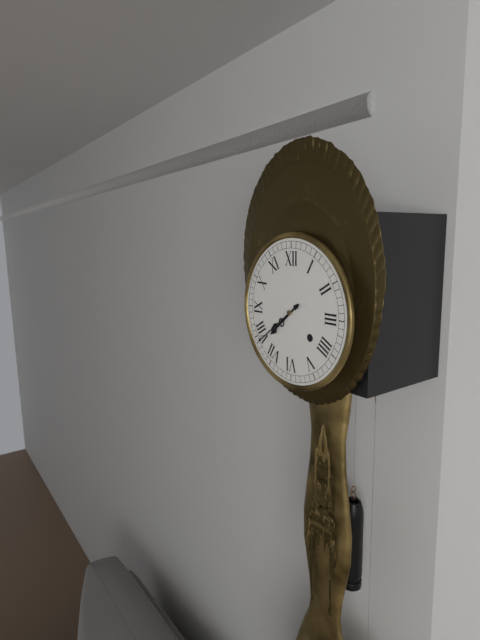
7:39
